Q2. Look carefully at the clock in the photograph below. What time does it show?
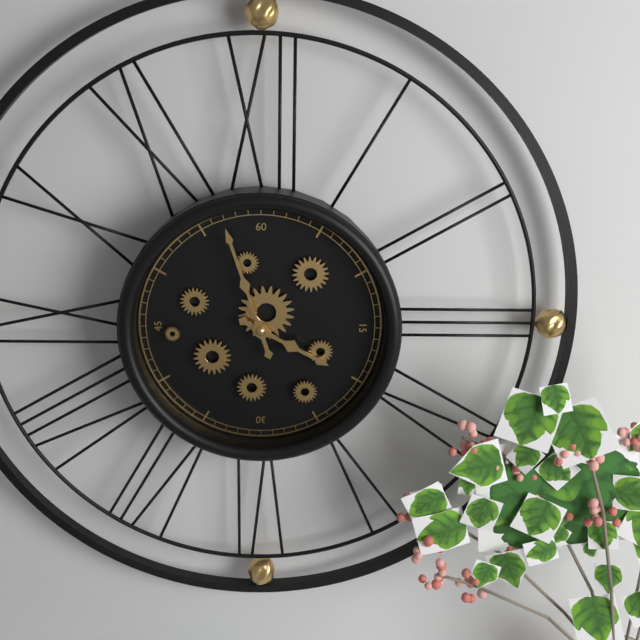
3:57
